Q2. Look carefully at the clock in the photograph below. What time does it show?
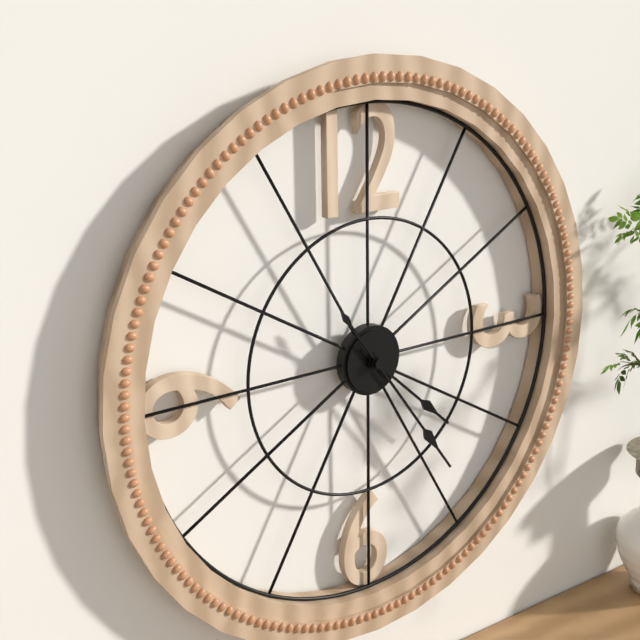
4:24
